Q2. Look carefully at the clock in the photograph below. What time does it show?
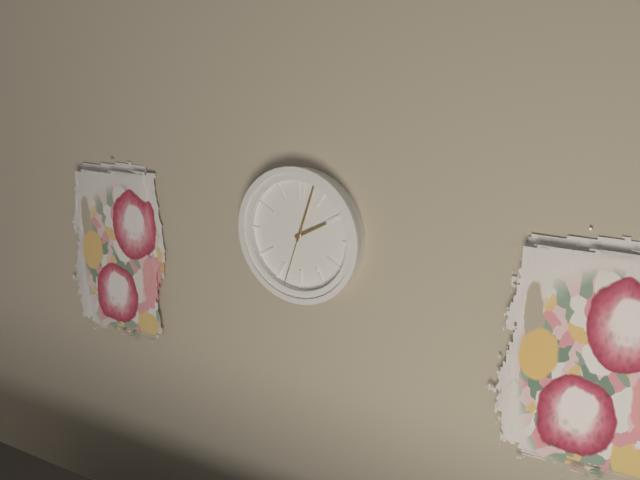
2:03:33
